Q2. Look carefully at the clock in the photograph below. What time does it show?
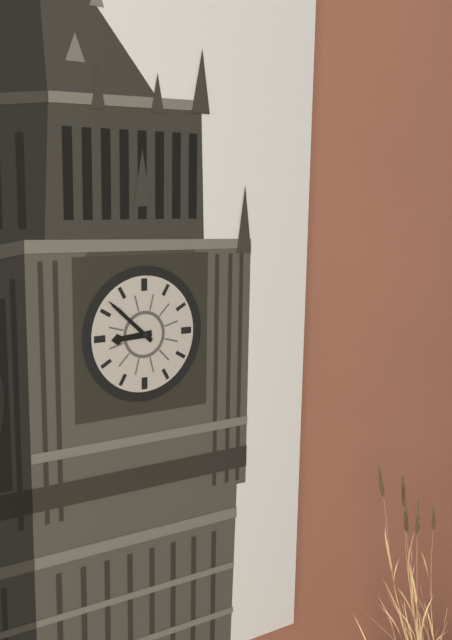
8:52
